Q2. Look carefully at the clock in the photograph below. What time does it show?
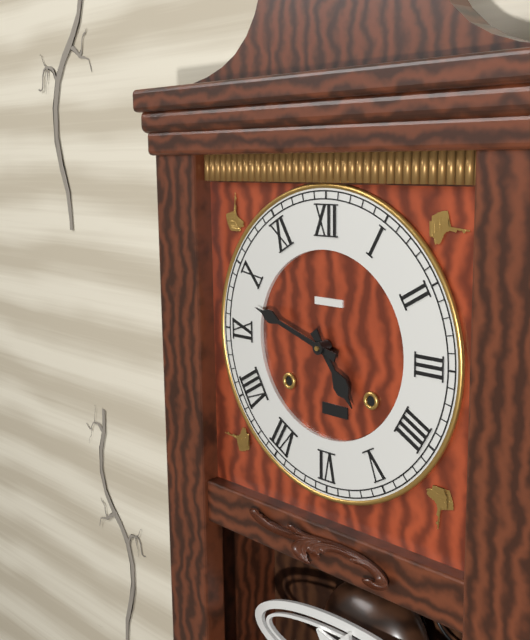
4:48
